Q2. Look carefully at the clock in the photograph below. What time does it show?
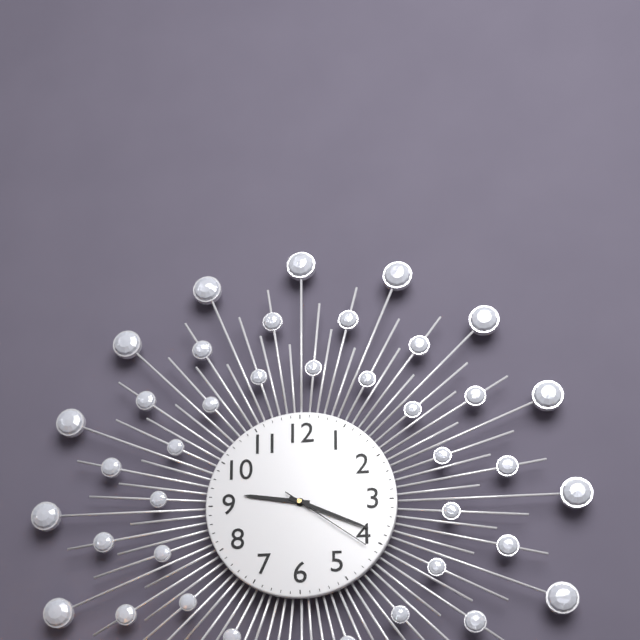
9:19:21
